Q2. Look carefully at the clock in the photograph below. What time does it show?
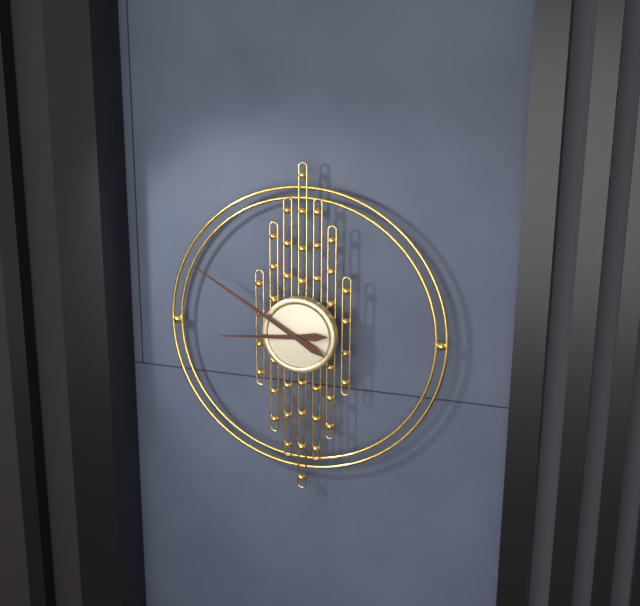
8:50
